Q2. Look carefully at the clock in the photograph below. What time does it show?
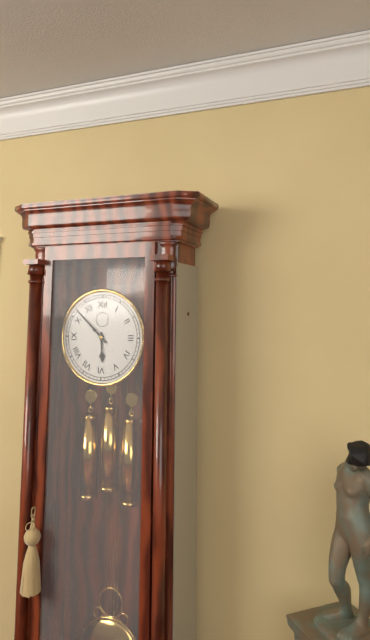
5:52
